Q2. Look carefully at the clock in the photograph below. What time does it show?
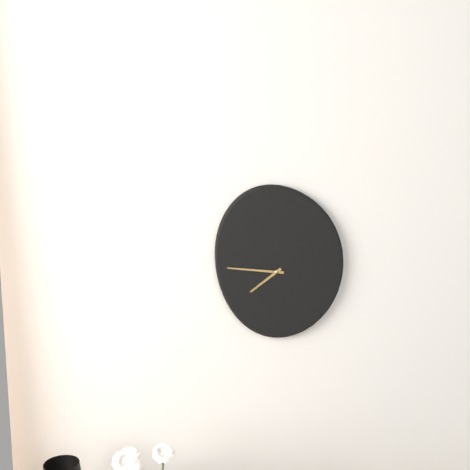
7:46
